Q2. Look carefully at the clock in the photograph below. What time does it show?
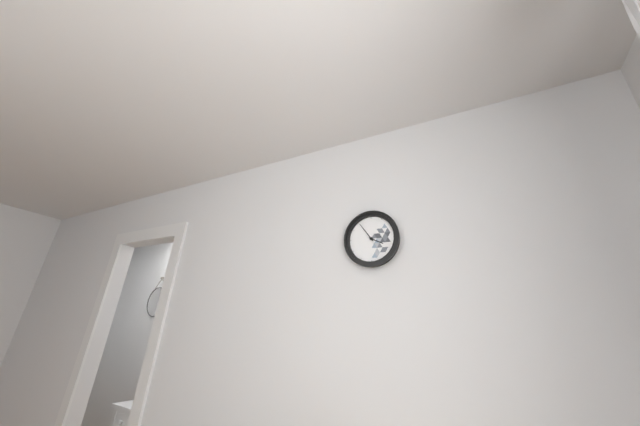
3:54
